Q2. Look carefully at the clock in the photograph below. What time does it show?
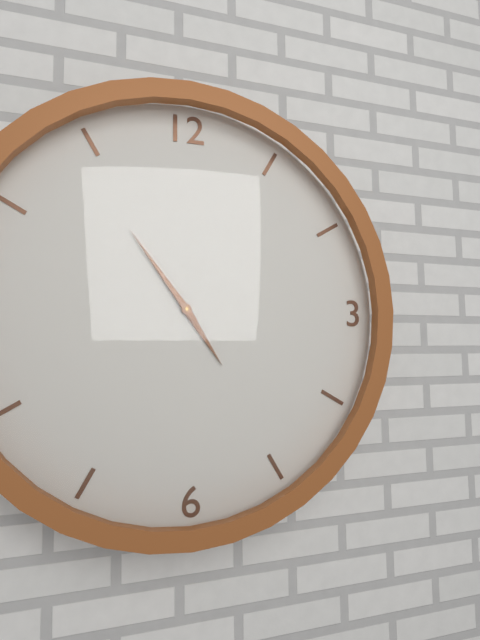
4:54
